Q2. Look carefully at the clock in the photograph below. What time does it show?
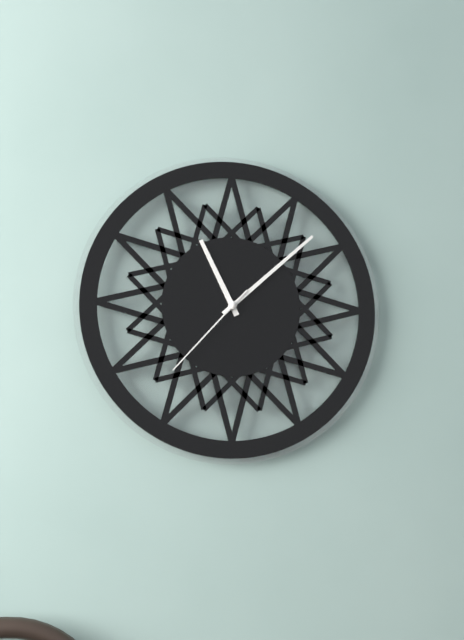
11:08:37
